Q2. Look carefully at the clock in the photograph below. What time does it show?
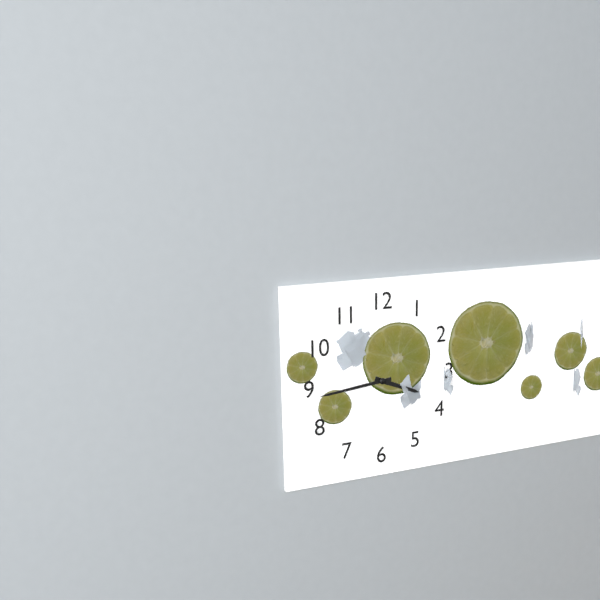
3:44
